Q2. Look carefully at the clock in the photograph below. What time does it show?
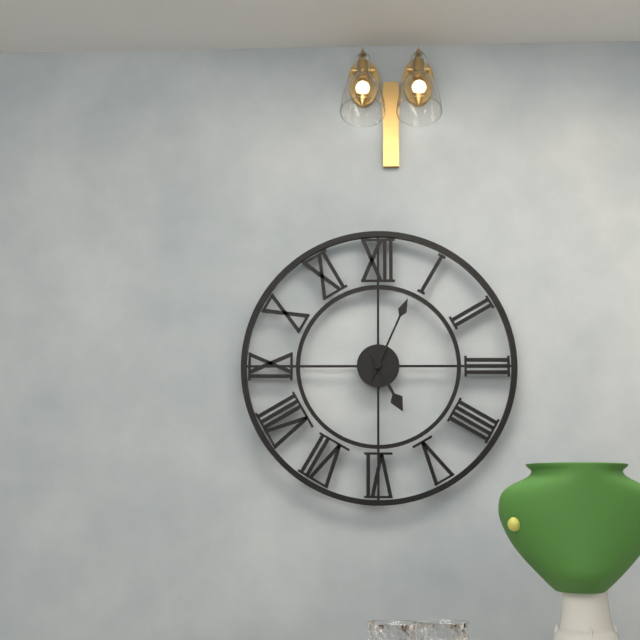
5:04
